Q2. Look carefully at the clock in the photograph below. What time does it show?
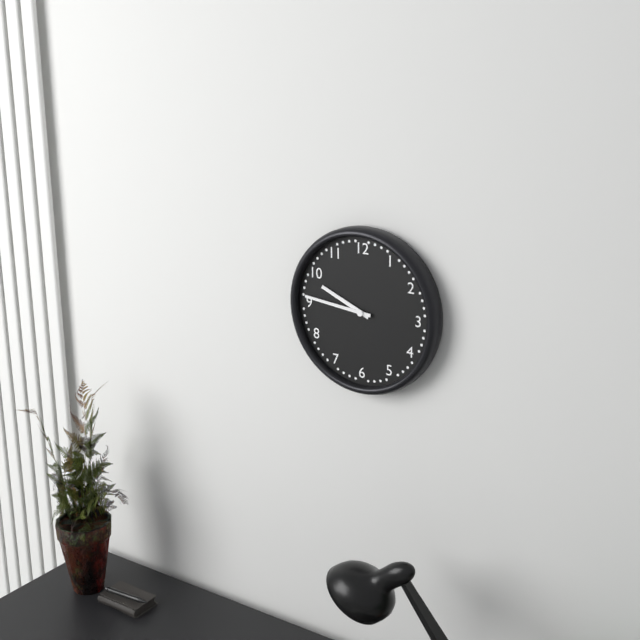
9:46
